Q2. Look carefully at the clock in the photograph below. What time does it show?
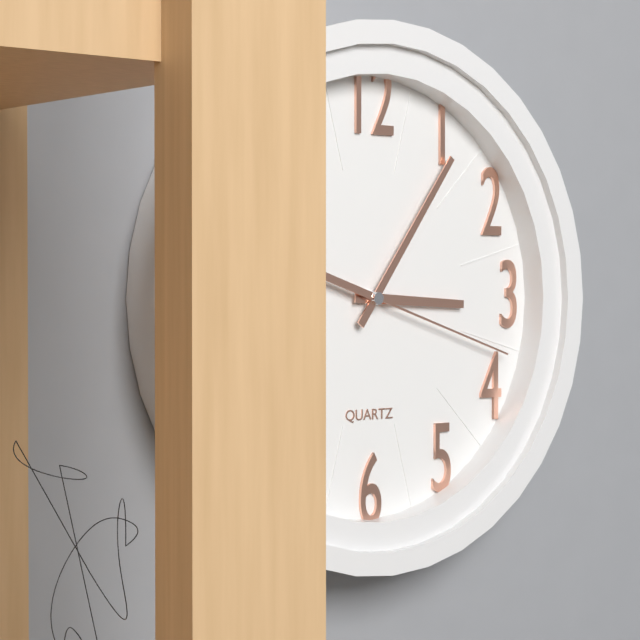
3:06:18
